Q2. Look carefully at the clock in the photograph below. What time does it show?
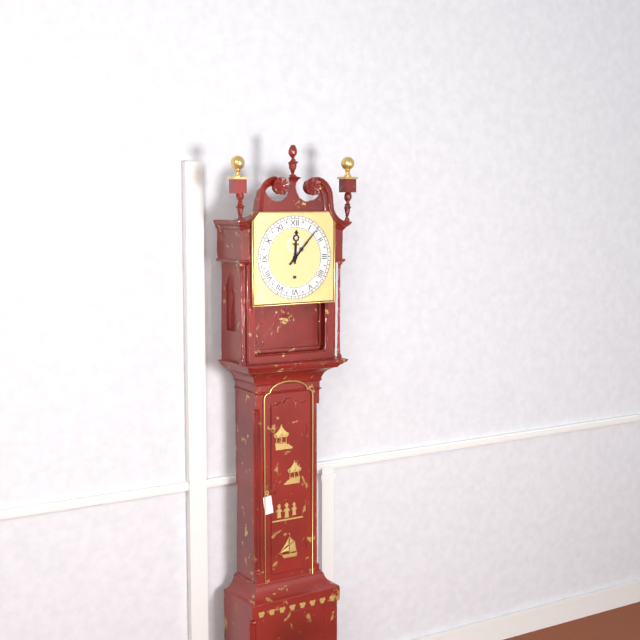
12:07
